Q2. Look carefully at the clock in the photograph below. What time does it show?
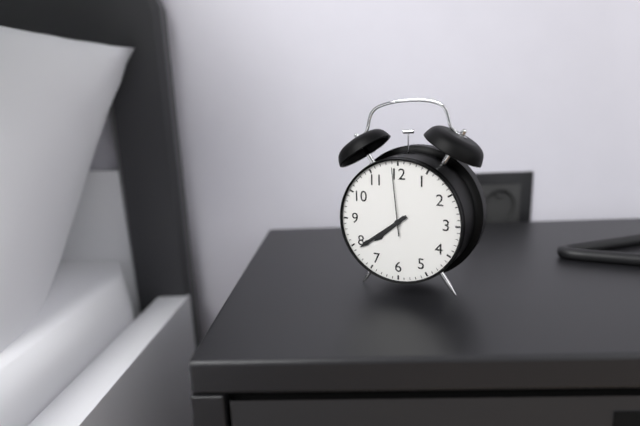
7:39:59
